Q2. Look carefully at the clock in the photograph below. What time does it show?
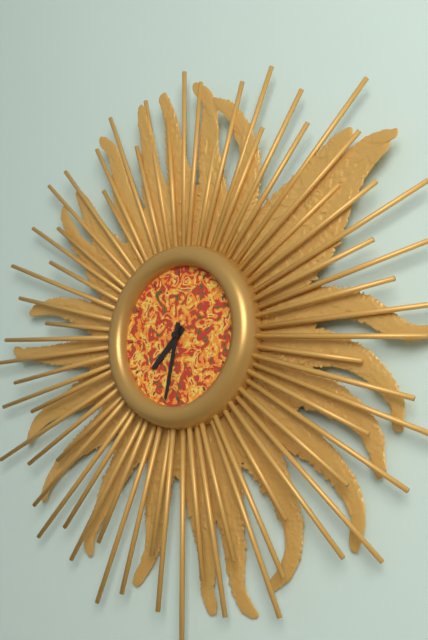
7:32
